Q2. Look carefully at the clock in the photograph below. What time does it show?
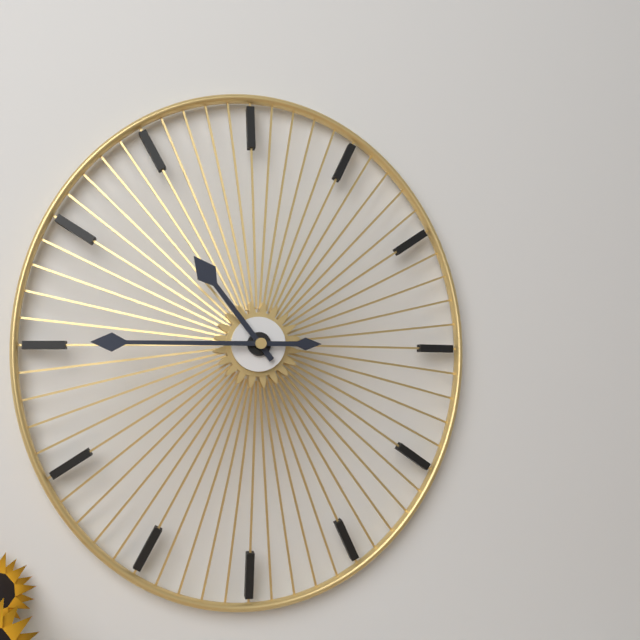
10:45
